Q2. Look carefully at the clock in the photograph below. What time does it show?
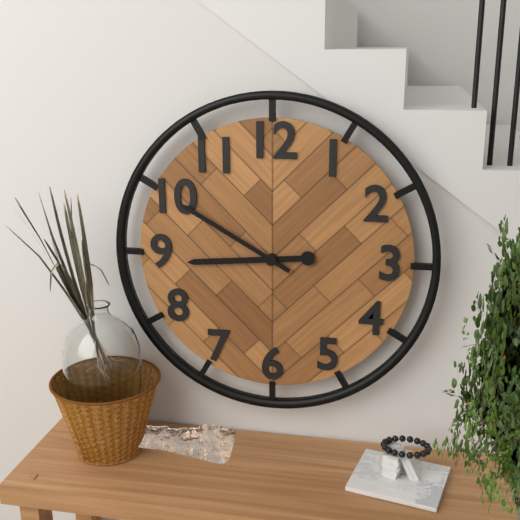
8:50
